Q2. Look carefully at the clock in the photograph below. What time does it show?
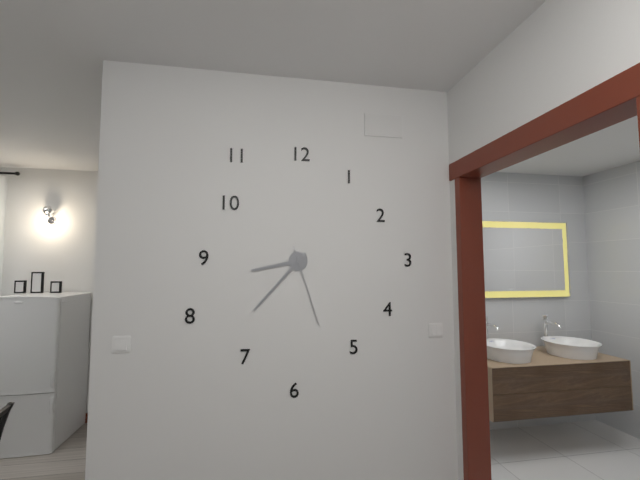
8:37:27
